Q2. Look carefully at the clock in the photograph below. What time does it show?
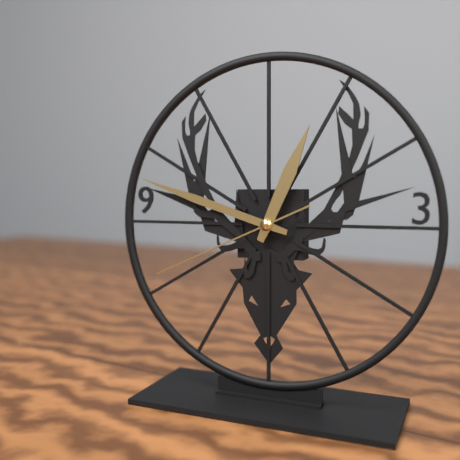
12:48:41
